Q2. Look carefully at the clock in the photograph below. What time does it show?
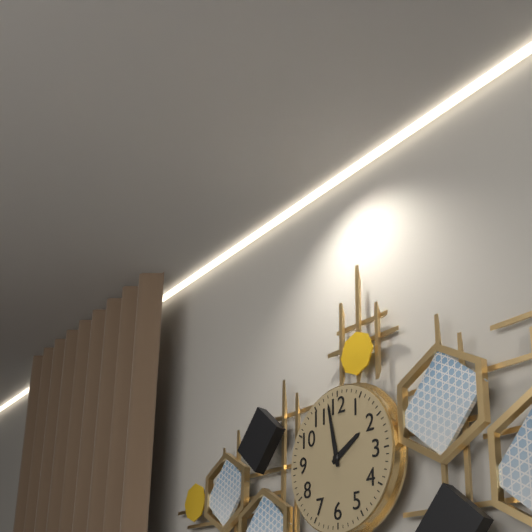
1:58
